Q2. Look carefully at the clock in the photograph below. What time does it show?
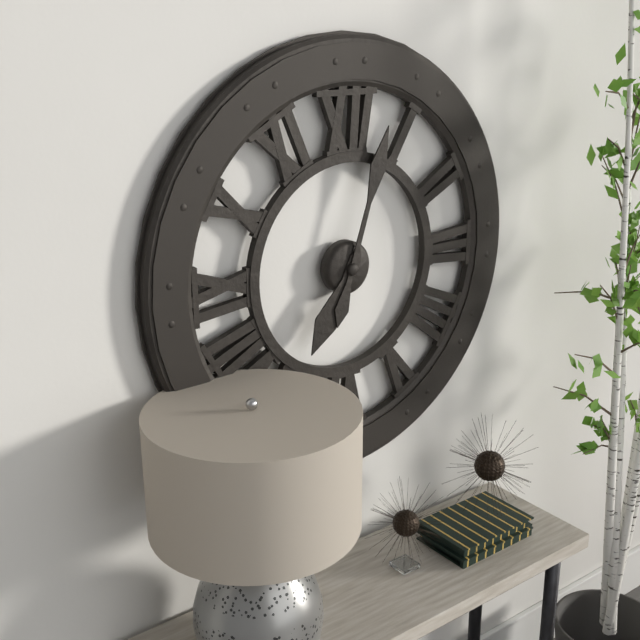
7:03
